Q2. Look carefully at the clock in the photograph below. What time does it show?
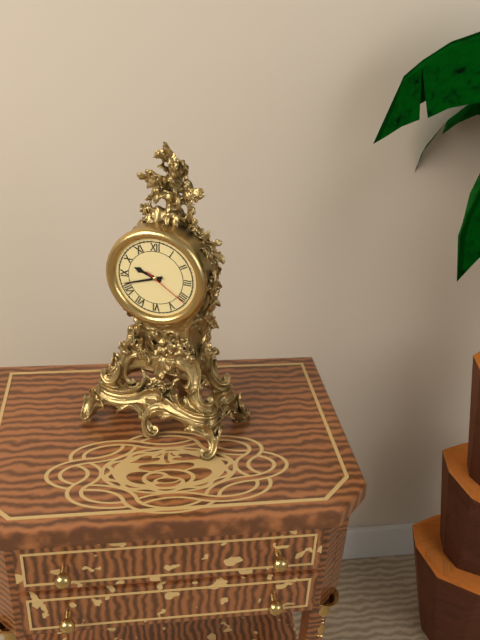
9:42
